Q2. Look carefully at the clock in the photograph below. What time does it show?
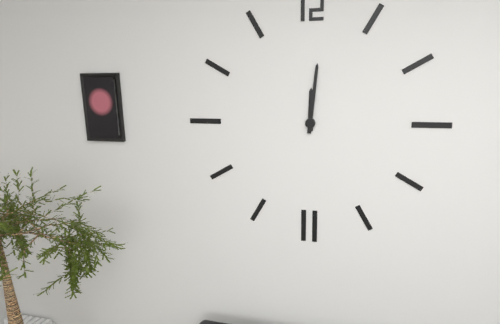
12:01
